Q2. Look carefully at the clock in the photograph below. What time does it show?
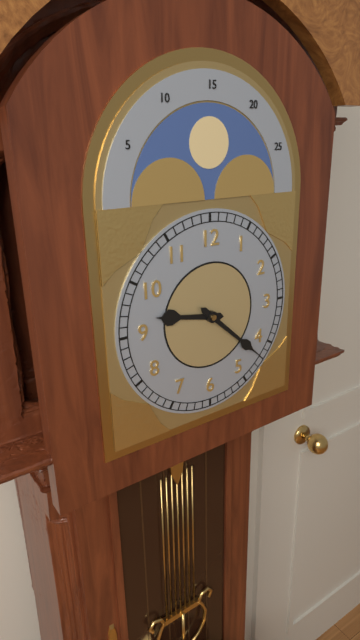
9:22
